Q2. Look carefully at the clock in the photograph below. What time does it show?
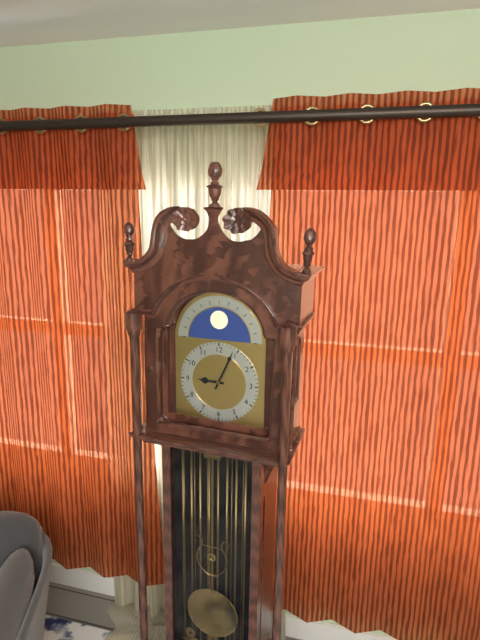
9:04
